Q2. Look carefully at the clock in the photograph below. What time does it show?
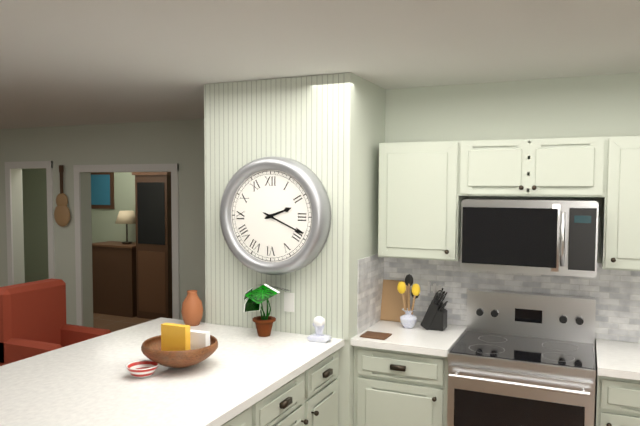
2:19
